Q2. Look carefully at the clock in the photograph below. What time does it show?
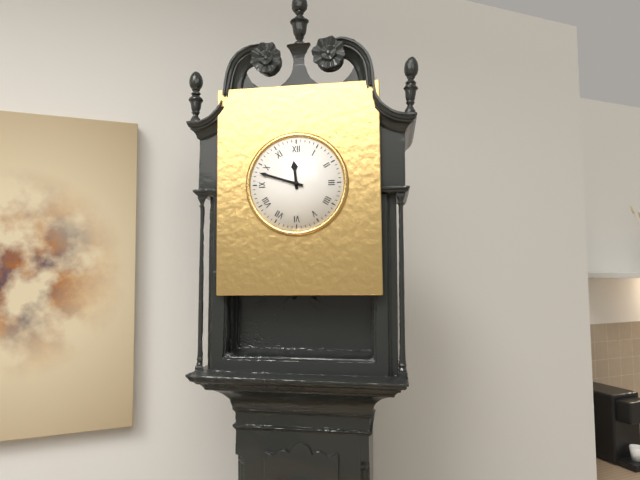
11:48
